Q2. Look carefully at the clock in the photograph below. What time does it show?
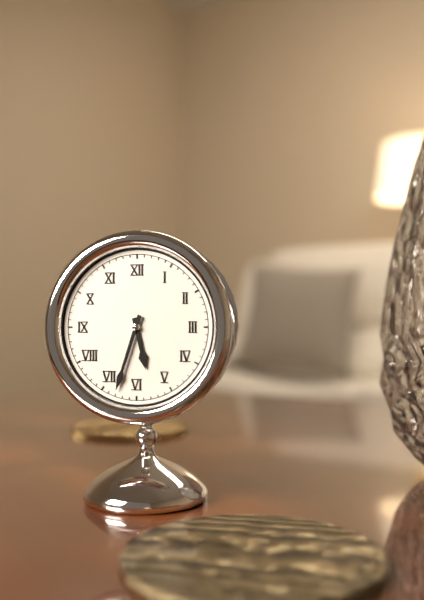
5:33
